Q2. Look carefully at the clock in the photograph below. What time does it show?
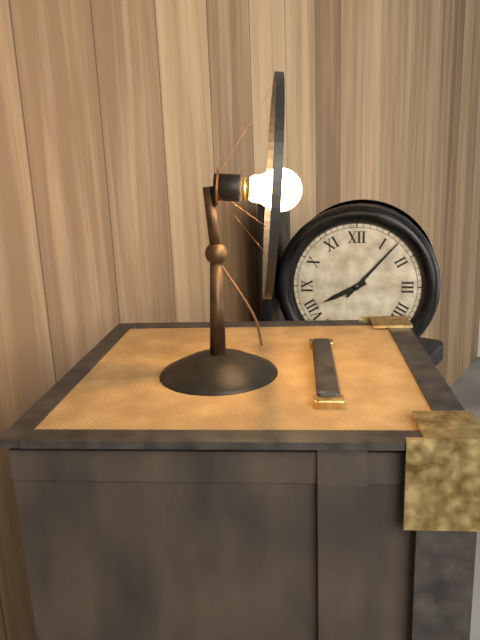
8:07
